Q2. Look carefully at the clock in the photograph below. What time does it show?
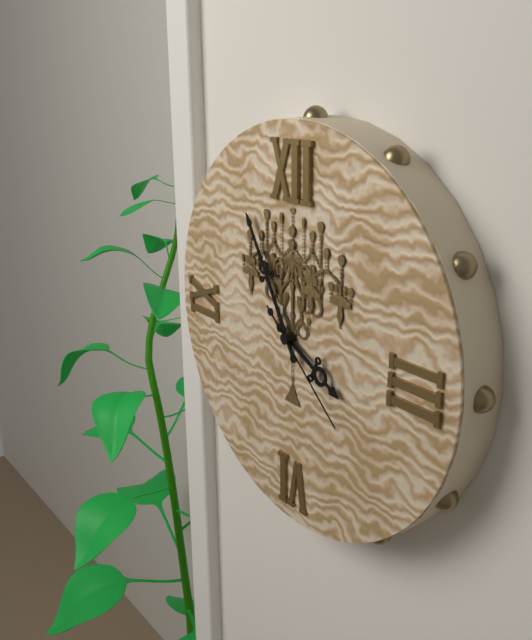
3:55:22
